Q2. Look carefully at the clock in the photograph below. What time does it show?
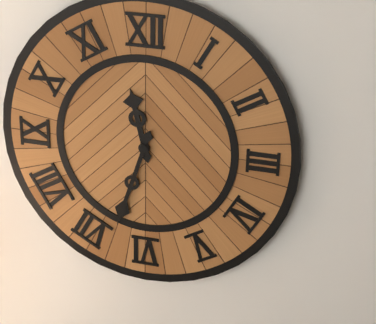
11:33
